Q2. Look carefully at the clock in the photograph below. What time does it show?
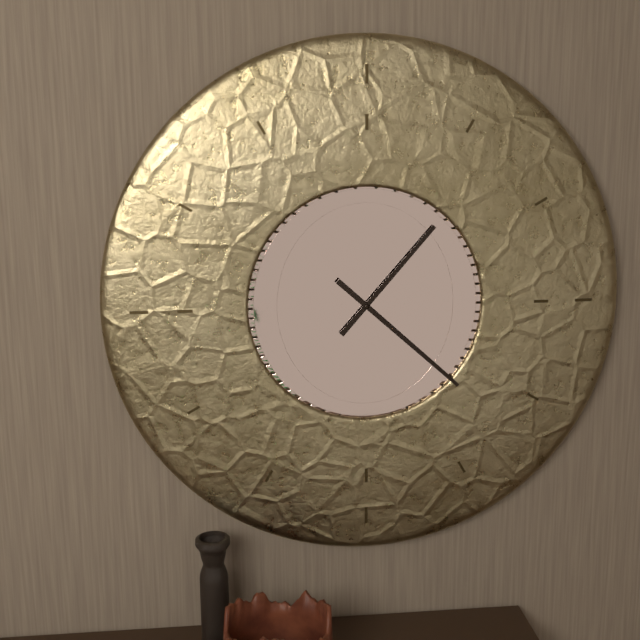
1:22
